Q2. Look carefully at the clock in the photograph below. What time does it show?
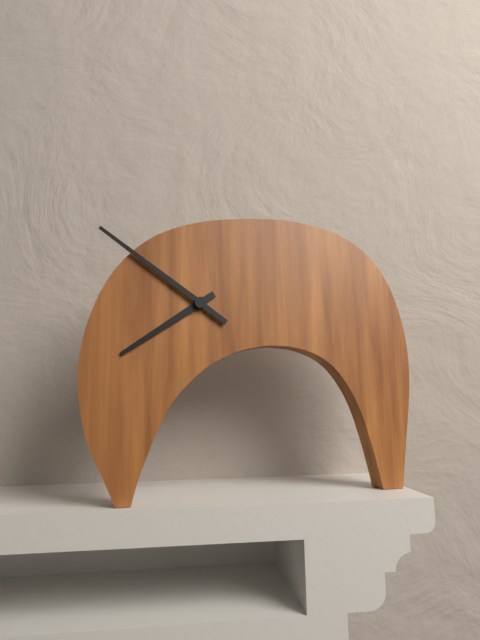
7:51
